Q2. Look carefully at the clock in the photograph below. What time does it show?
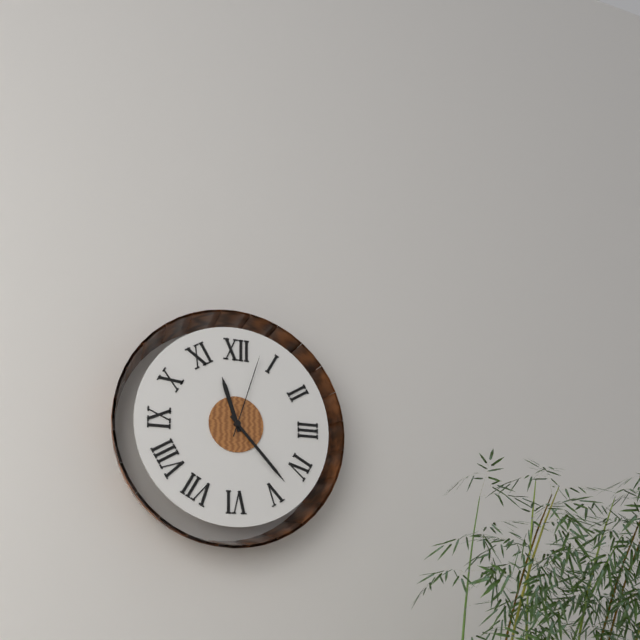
11:23:03
